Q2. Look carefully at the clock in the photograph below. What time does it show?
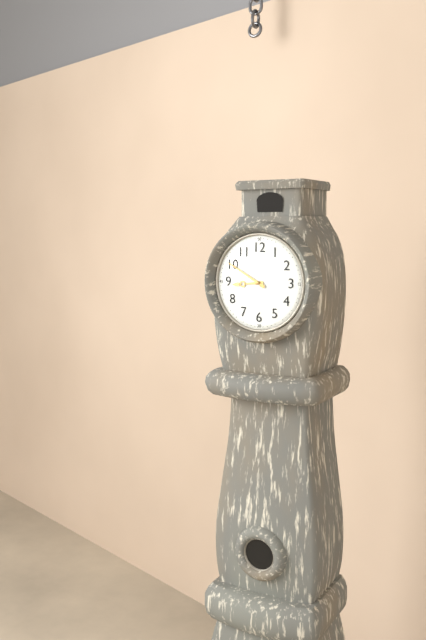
8:50
